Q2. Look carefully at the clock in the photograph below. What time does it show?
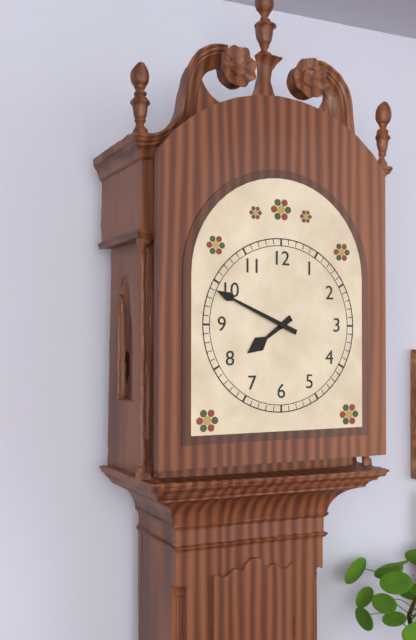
7:49
